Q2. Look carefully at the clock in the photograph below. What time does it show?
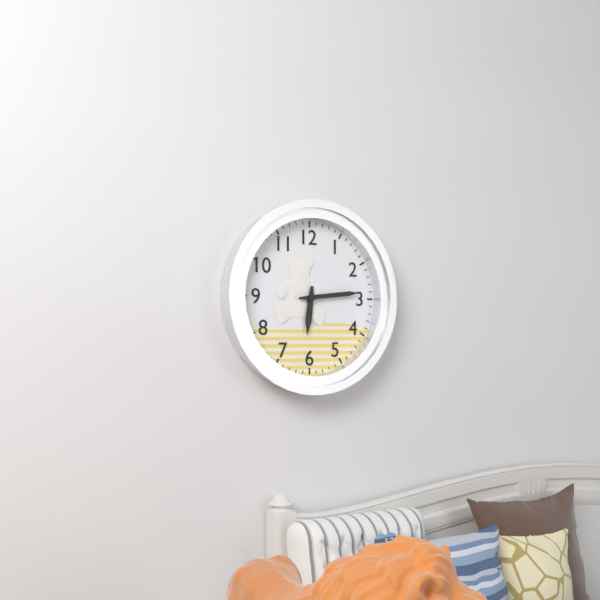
6:14
